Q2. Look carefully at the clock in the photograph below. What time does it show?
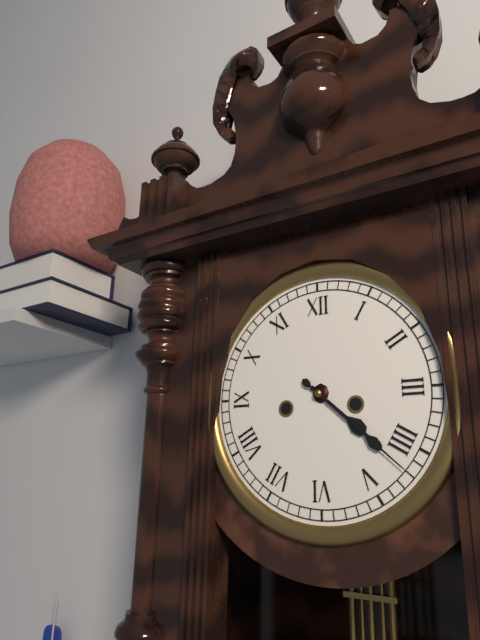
4:22
